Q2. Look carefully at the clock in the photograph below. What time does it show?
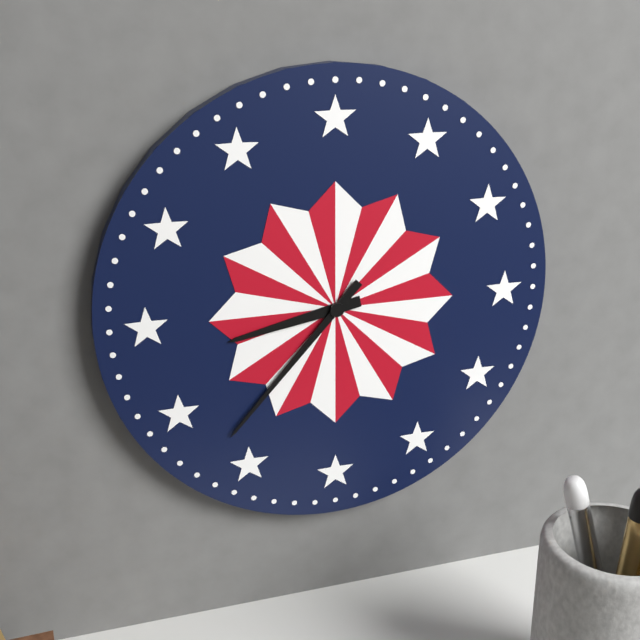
8:37
